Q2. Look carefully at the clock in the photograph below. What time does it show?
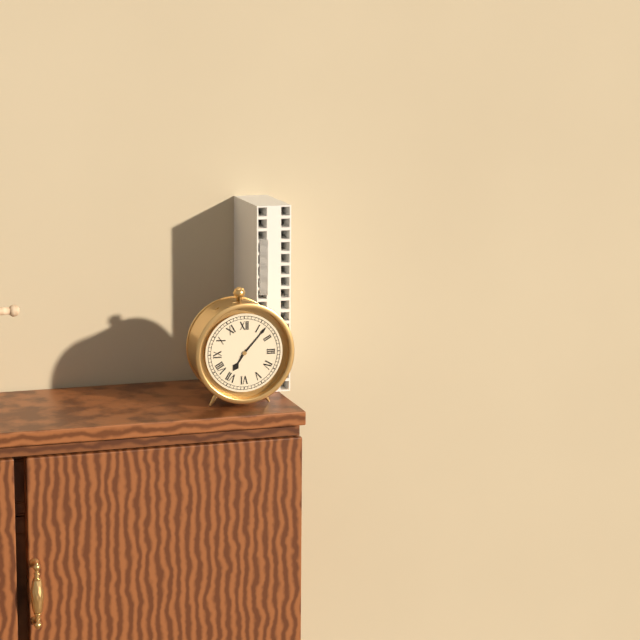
7:07
